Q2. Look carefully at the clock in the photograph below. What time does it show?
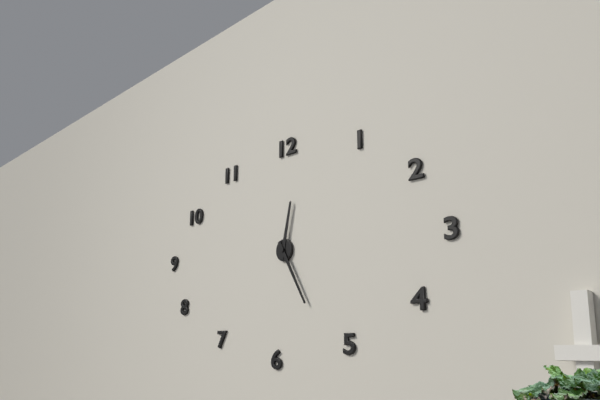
12:25
